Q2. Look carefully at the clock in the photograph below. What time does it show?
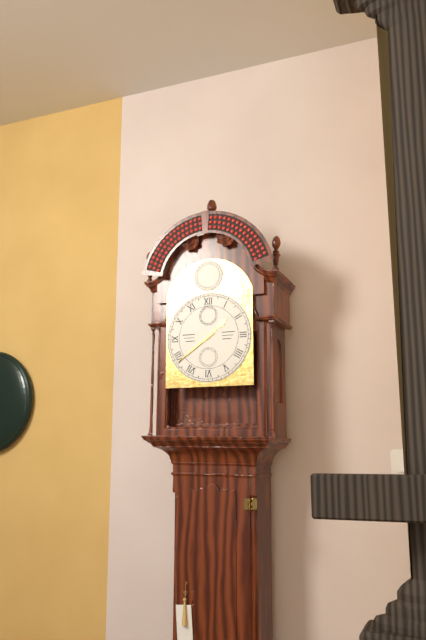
1:39
